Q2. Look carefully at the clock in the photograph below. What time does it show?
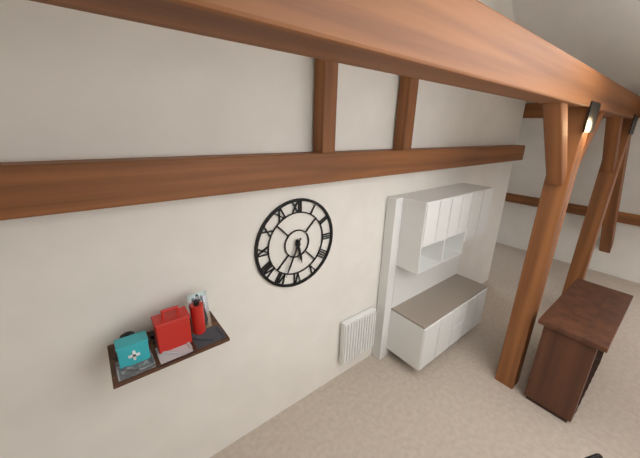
5:34
